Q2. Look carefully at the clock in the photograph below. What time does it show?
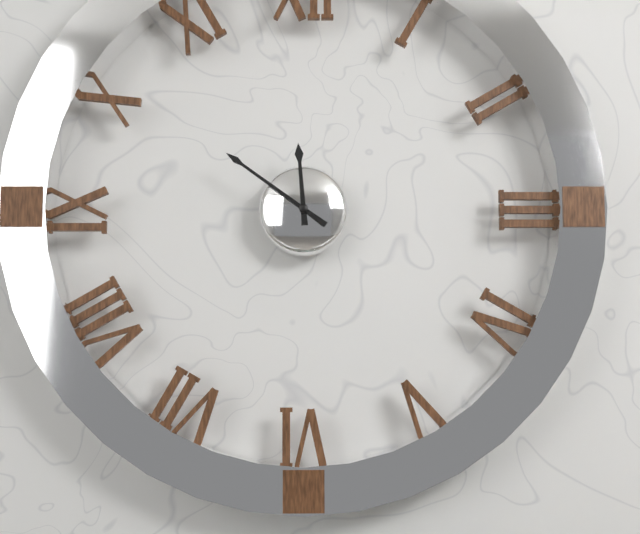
11:51
